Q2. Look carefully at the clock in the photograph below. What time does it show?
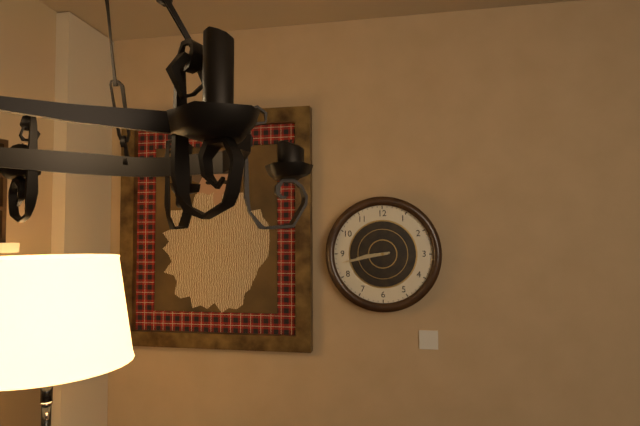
8:43
